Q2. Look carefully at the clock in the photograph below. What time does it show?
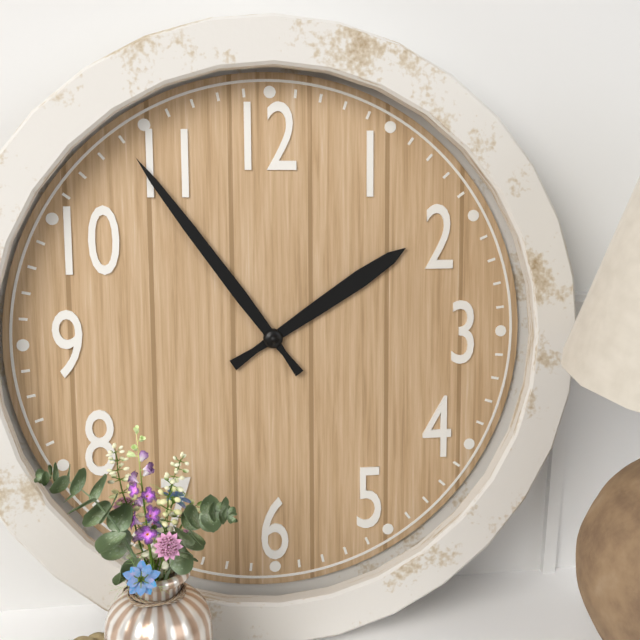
1:54
